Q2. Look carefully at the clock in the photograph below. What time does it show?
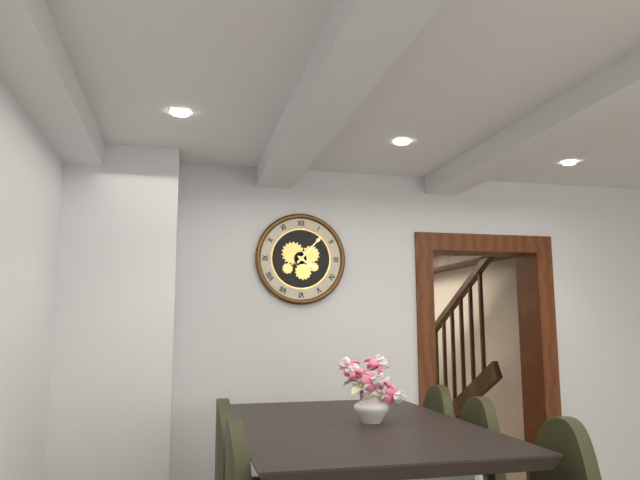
4:07
